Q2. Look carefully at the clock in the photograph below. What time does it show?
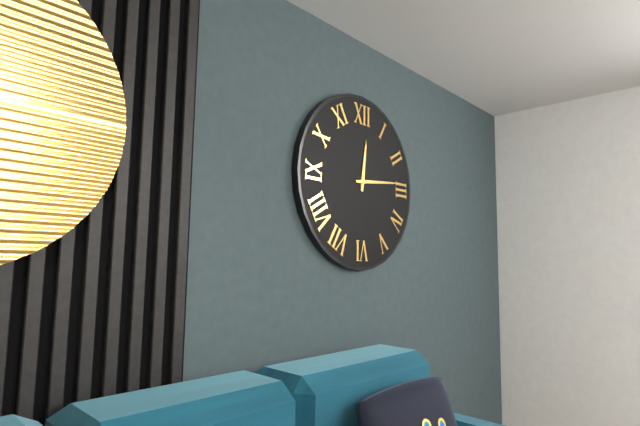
12:14
